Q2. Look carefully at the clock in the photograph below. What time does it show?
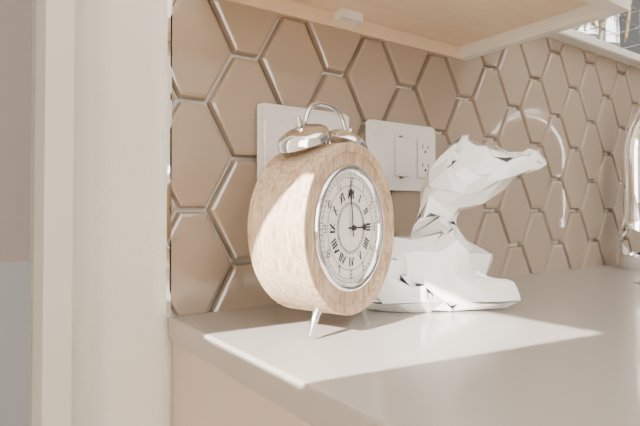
2:59
